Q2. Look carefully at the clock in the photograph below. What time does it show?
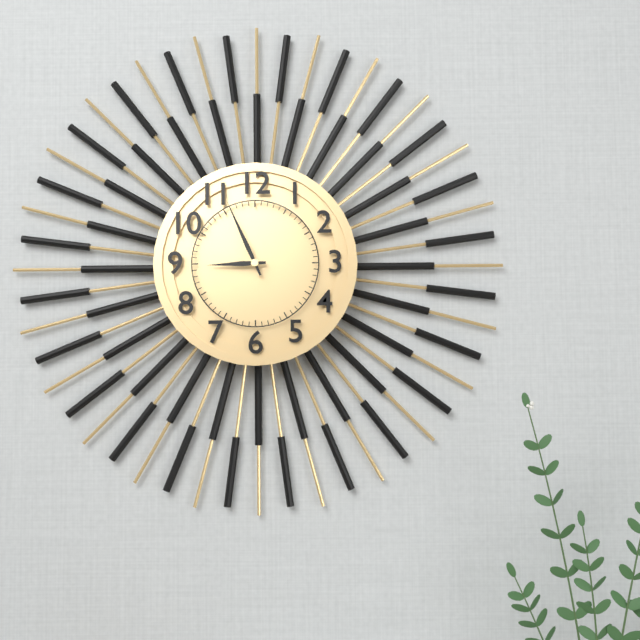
8:56
